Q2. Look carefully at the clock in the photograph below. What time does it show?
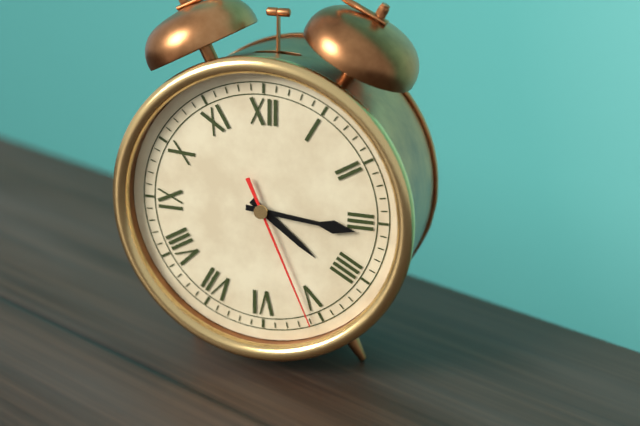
4:16:26
